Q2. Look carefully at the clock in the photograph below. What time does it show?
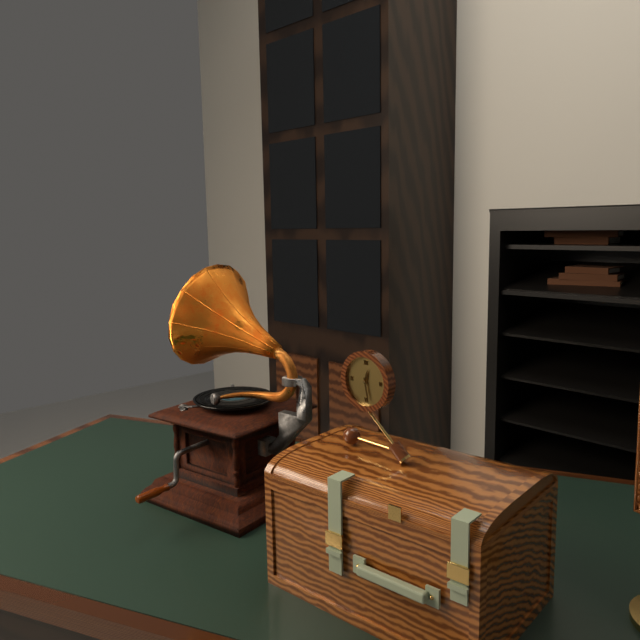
12:28
